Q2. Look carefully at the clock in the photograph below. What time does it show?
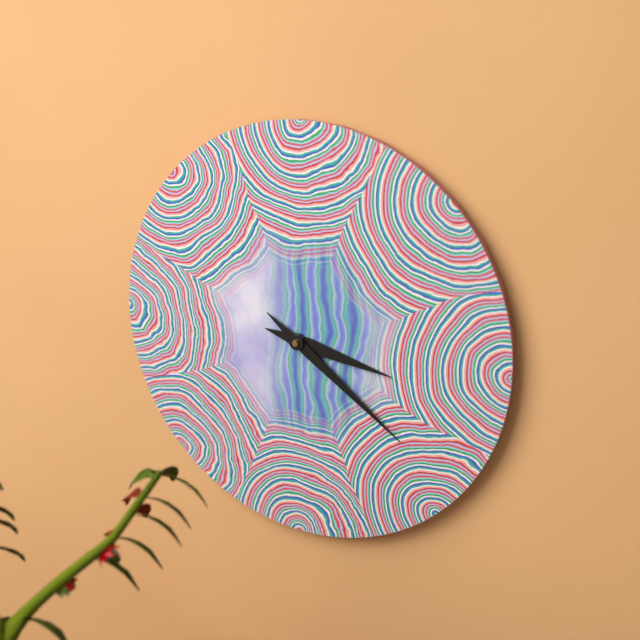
3:21
